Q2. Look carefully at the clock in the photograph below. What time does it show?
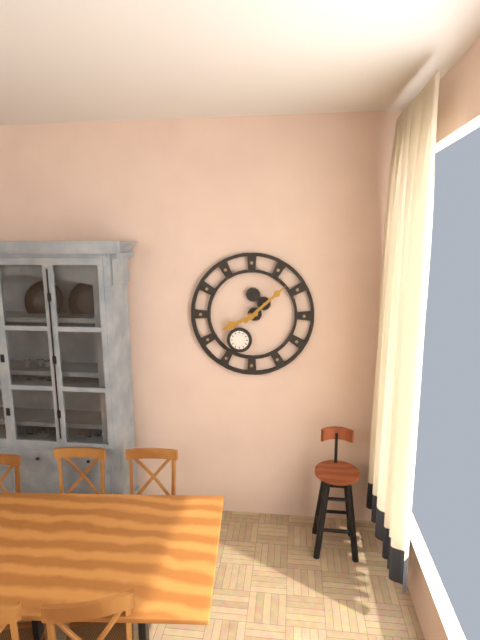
8:08
